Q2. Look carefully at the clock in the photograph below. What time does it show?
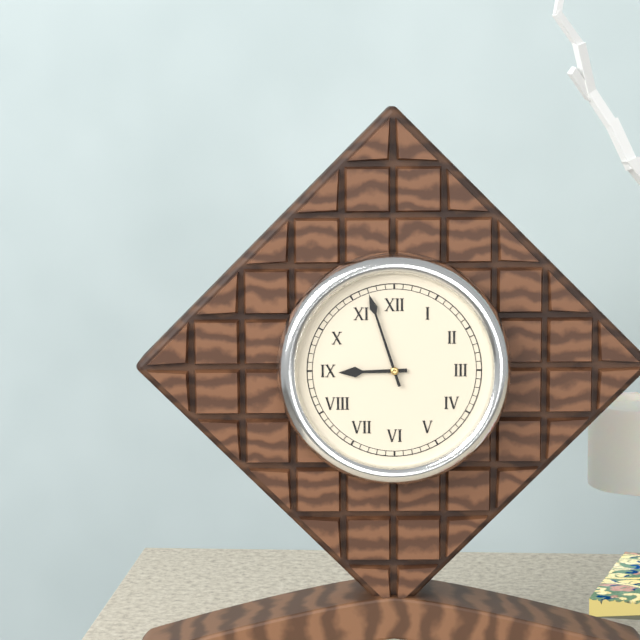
8:57
